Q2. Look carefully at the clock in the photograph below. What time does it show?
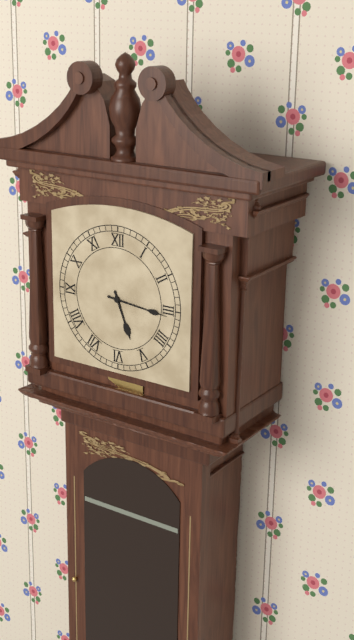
5:16
